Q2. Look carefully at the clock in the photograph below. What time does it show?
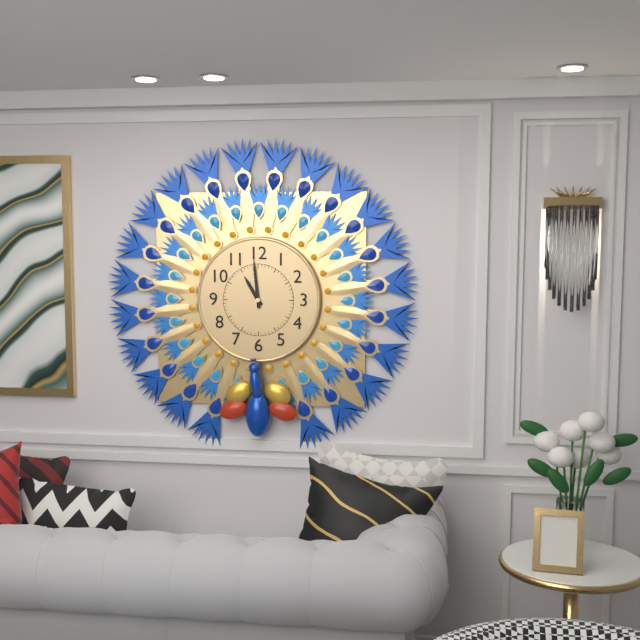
10:59
